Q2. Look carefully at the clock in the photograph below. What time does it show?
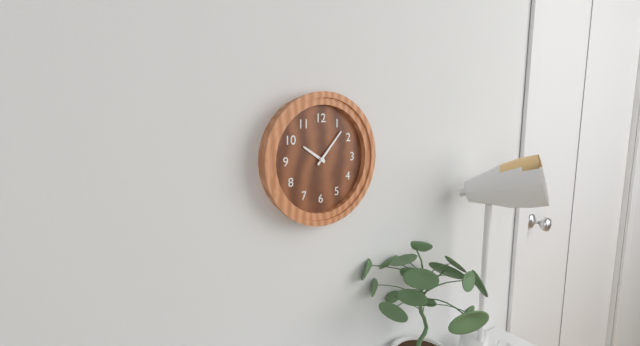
10:07
